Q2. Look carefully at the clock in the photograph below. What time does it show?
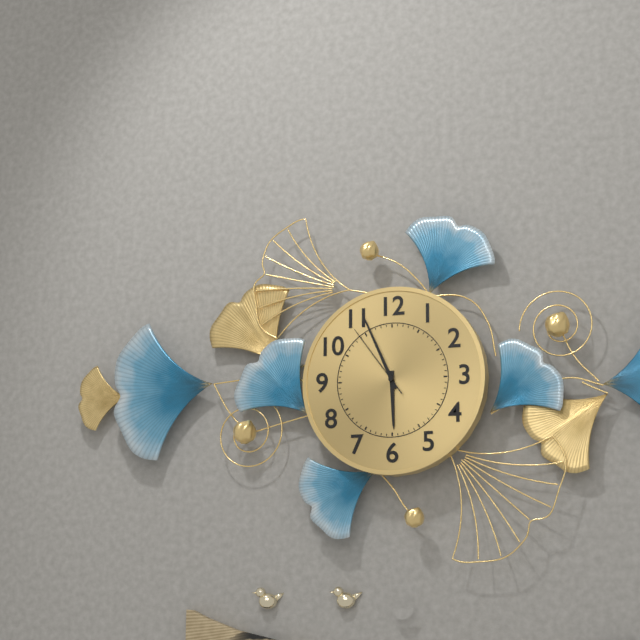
5:56:54
